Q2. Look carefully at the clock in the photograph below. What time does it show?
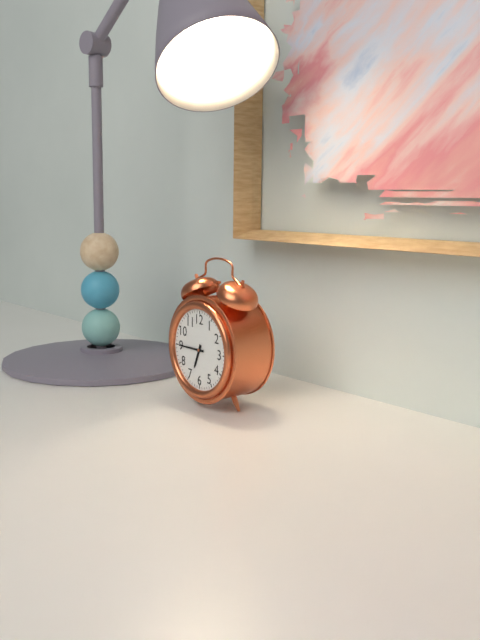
6:45
